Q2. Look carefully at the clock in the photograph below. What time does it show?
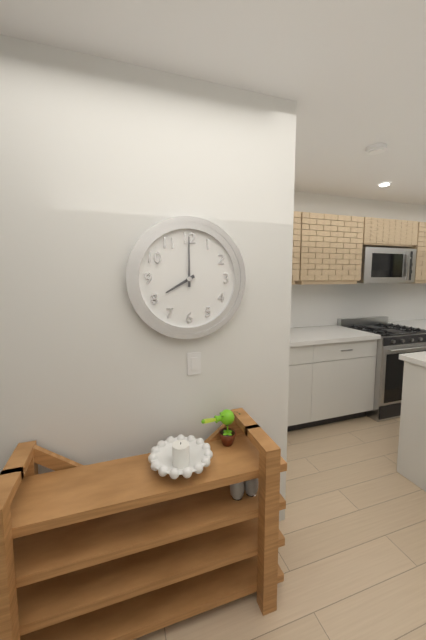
8:00
